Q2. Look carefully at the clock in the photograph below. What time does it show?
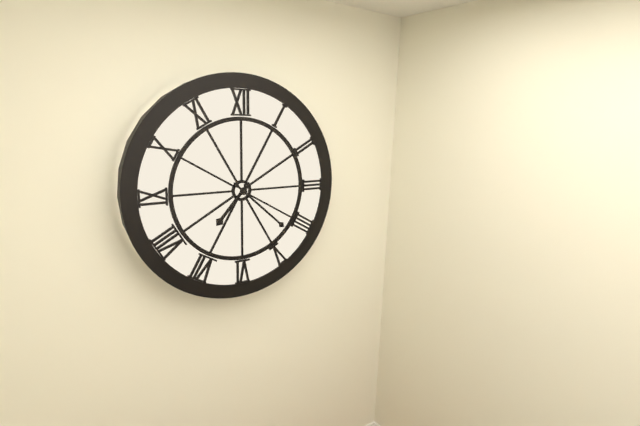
7:22
